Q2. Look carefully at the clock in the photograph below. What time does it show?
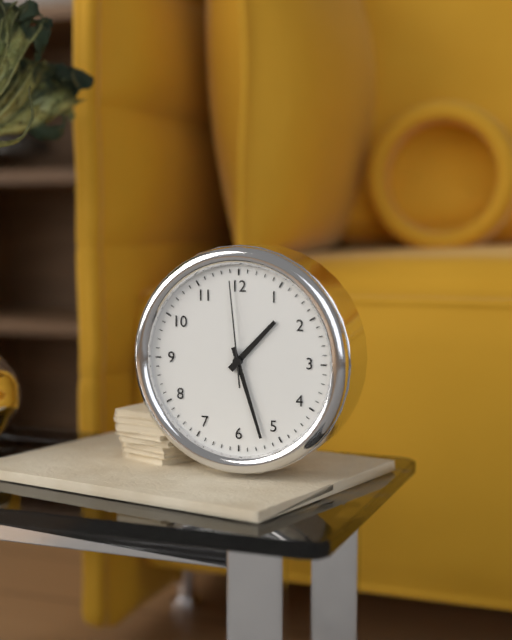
1:27:59
